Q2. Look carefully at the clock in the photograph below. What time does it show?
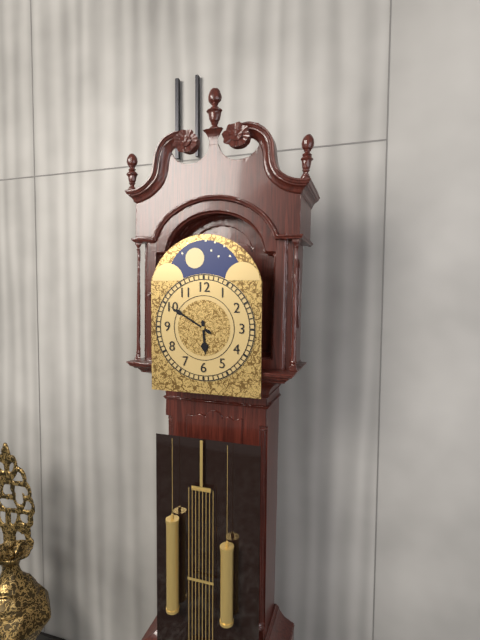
5:50
